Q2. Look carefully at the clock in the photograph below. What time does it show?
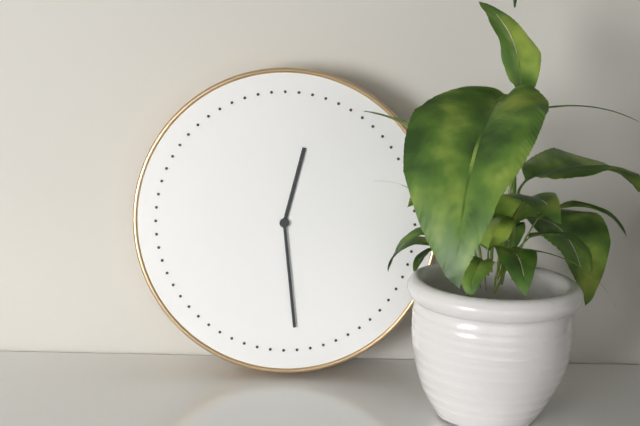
12:29
